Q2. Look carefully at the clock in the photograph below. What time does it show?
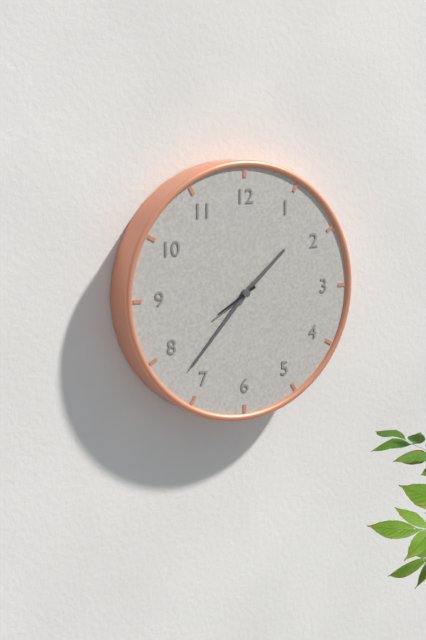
1:37
